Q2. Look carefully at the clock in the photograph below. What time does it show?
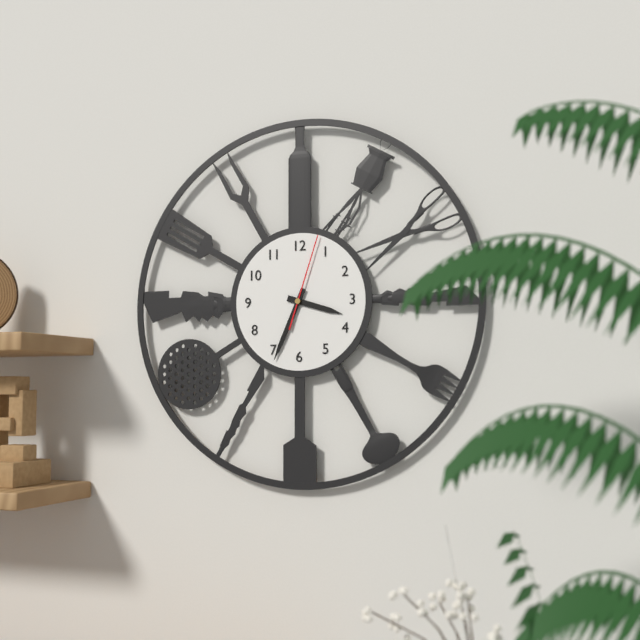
3:34:03
